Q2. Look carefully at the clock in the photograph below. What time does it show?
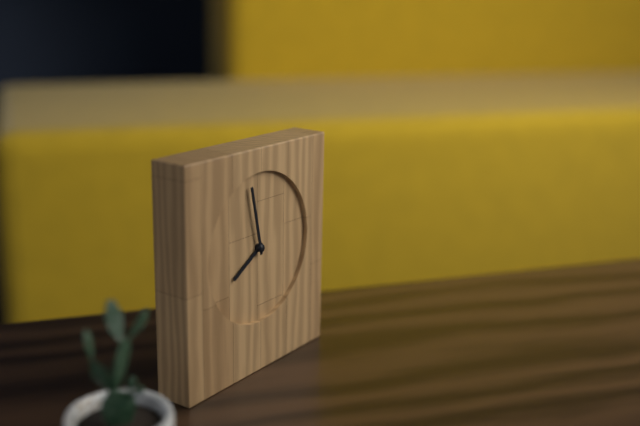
7:58
